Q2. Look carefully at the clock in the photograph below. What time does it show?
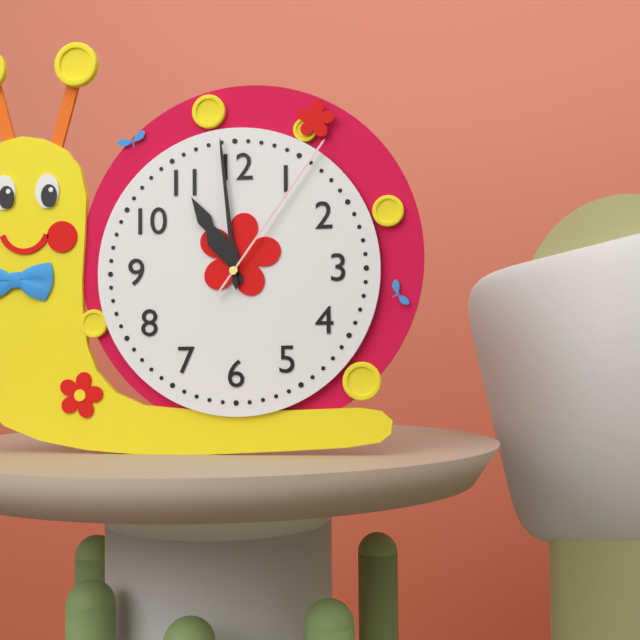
10:59:06
